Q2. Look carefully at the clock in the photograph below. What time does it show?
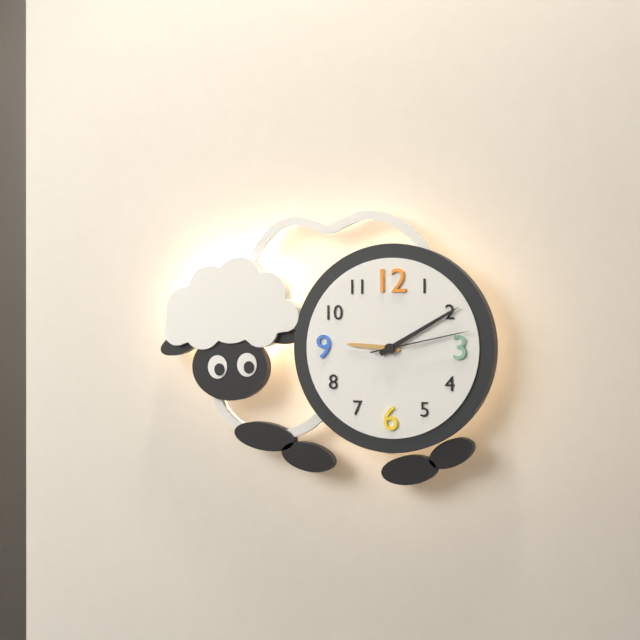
9:10:13
